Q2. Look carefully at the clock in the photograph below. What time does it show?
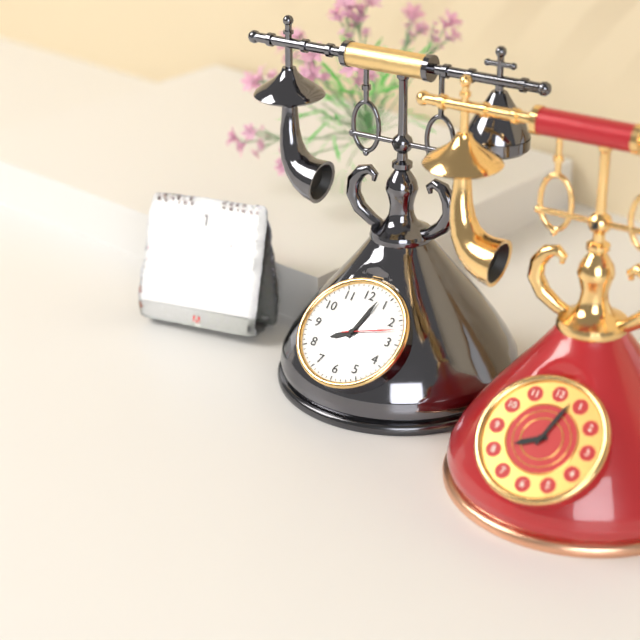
8:03:12
